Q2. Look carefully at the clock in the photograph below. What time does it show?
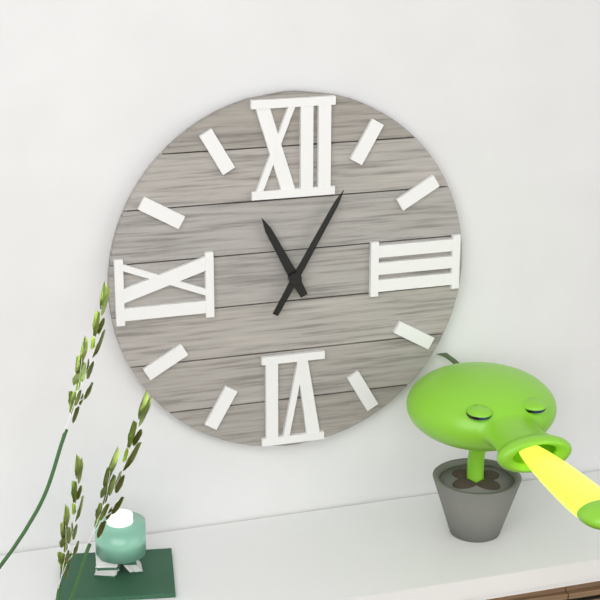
11:05
